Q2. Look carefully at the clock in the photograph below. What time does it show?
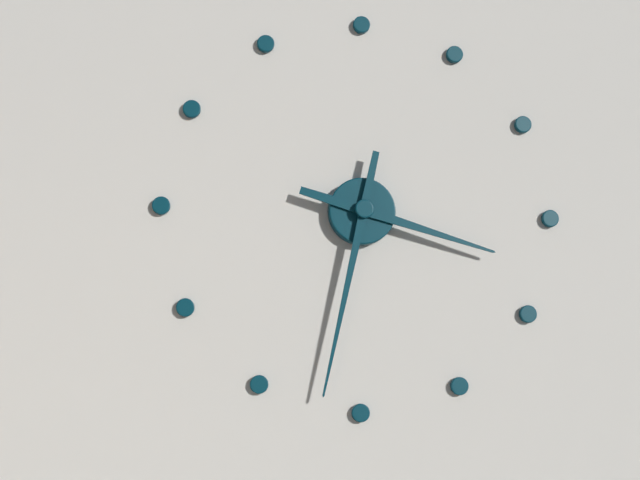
3:32
